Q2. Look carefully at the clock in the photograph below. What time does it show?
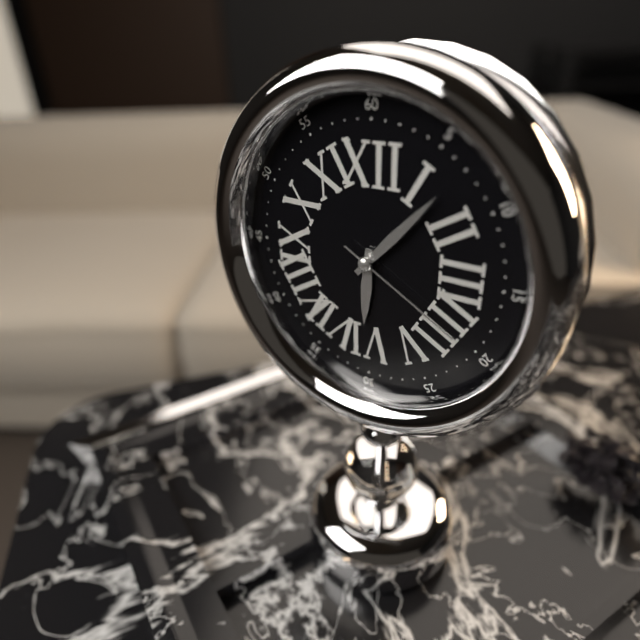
6:07:20
